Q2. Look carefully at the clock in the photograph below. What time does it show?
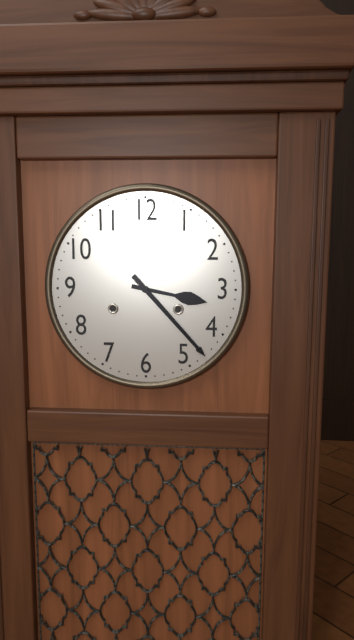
3:23
